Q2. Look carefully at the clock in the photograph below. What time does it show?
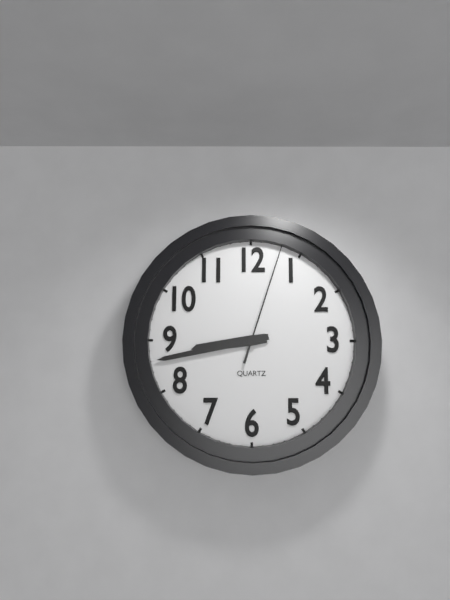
8:43:03
